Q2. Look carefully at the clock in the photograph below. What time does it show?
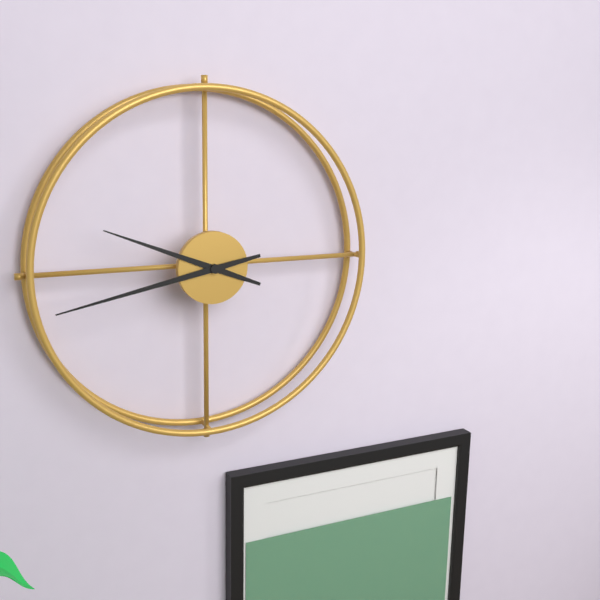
9:43
